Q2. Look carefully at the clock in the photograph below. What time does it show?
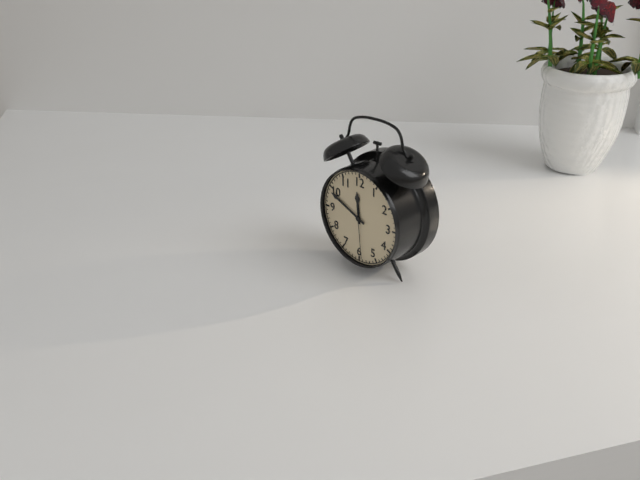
11:49:29
